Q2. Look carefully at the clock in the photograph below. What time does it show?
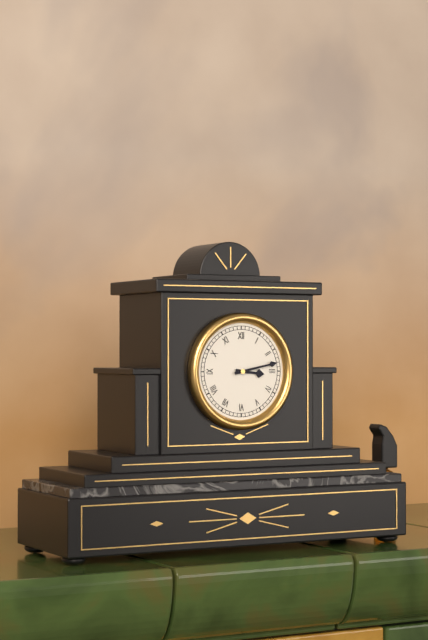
3:13
